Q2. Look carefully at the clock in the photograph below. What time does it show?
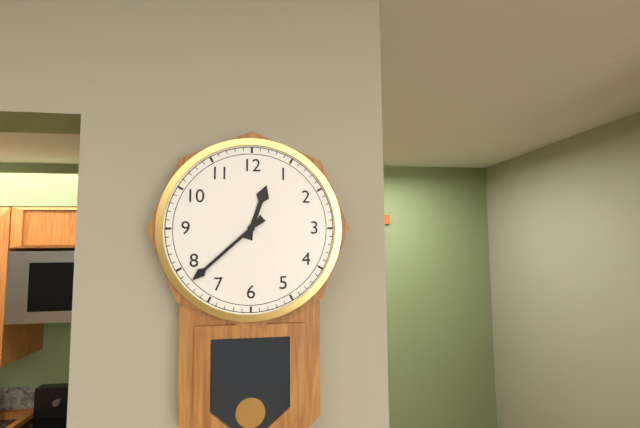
12:38
